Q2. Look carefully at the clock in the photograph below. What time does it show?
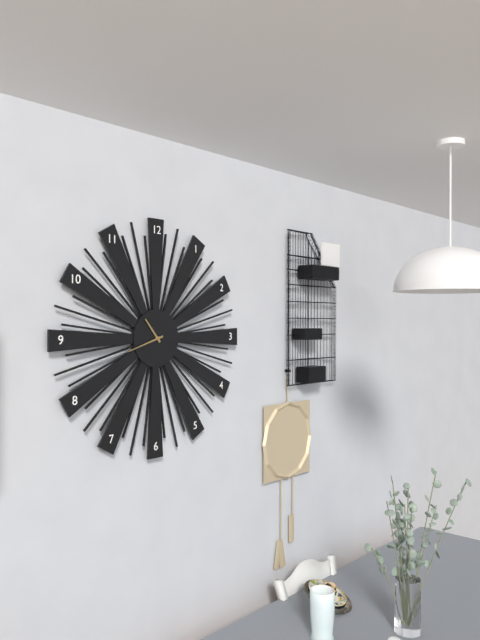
10:42
